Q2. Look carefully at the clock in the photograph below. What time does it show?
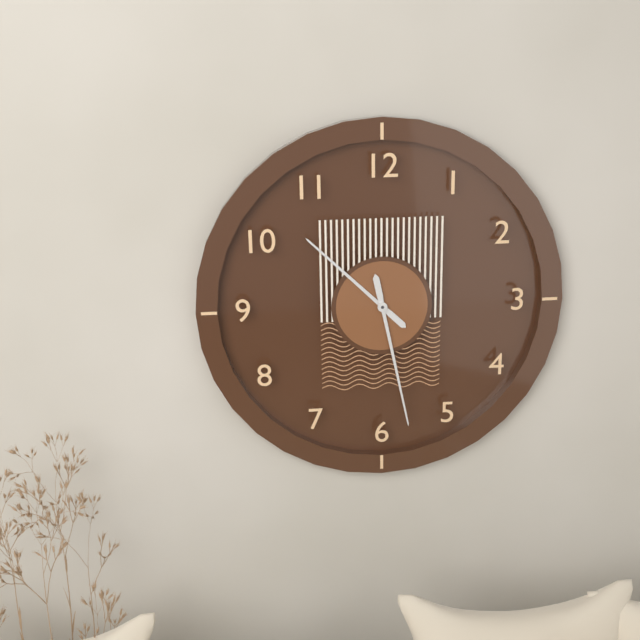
10:28
